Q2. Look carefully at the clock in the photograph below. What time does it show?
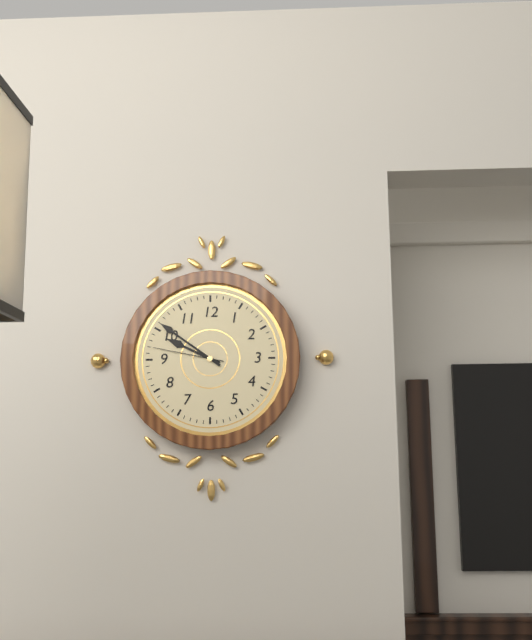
9:51:47
